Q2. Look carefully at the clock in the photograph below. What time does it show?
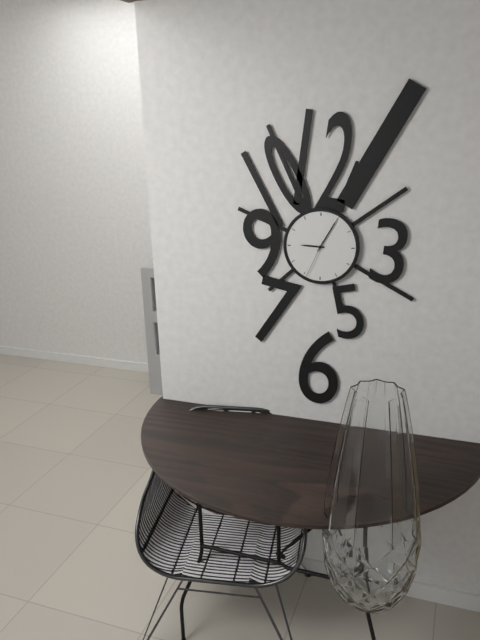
9:05
